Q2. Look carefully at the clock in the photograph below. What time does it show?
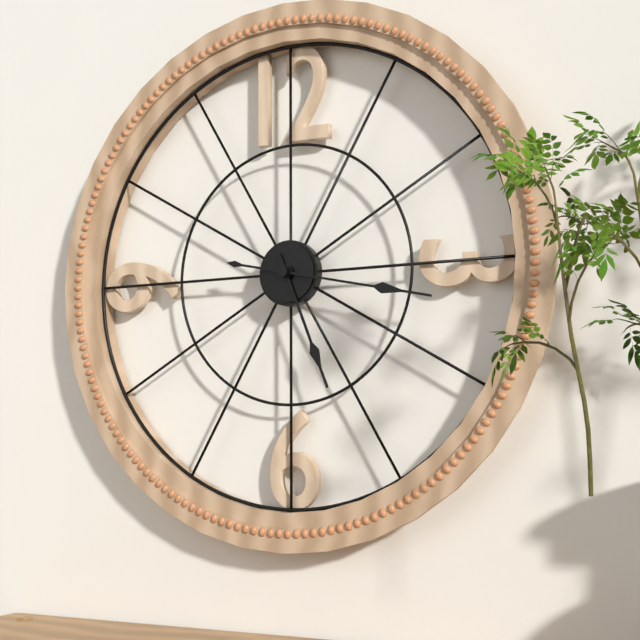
5:17
